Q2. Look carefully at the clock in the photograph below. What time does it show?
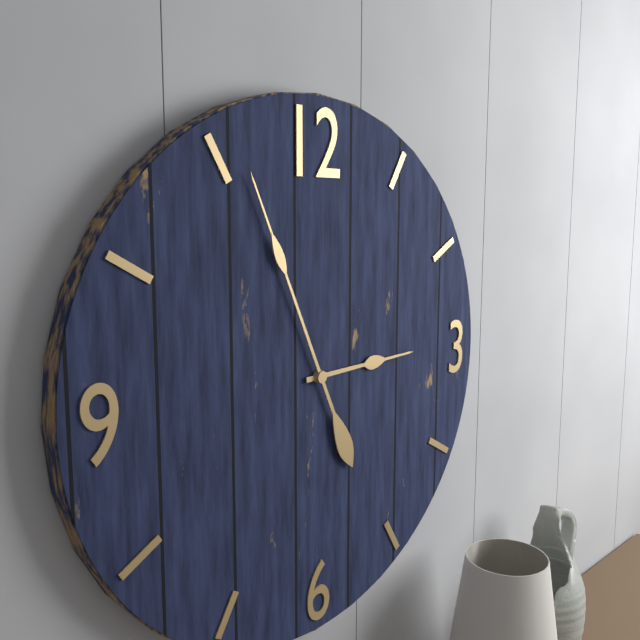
2:56
